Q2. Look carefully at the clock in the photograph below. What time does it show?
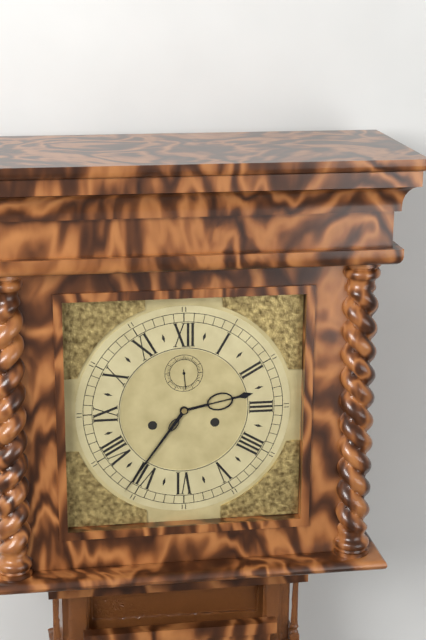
2:36
